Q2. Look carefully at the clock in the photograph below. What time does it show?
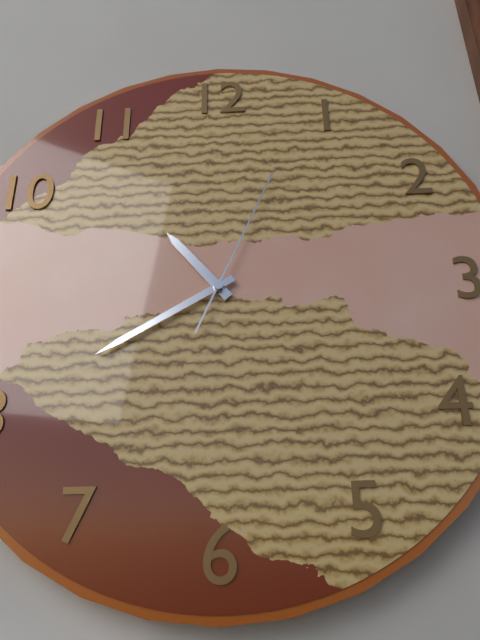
10:40:04
